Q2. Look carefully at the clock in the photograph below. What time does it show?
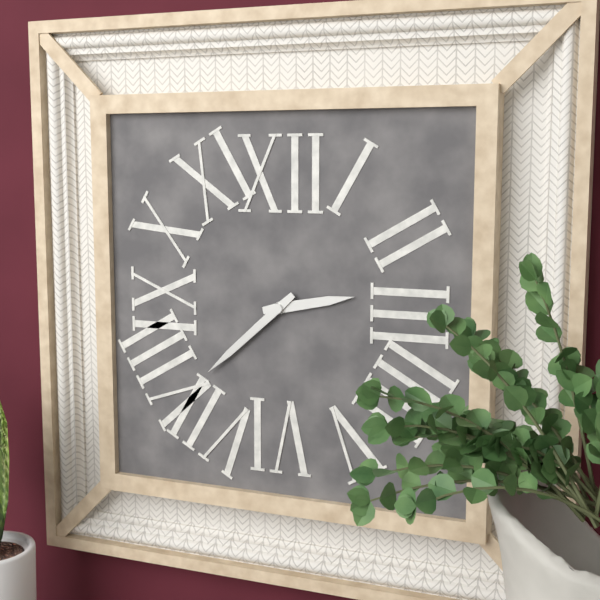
2:38
